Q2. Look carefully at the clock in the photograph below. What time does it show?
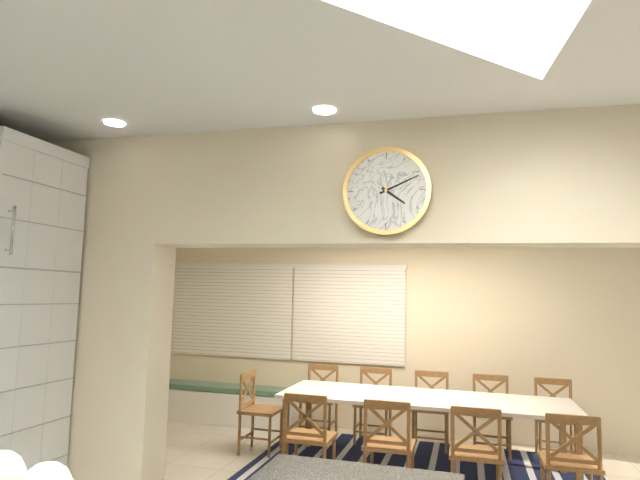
4:11
